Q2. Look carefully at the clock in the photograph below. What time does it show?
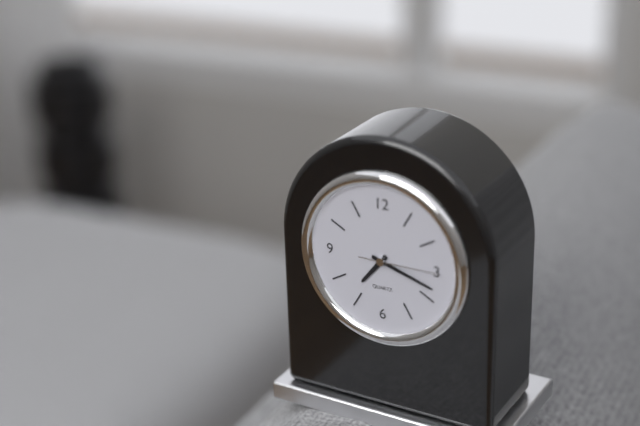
7:18:15
